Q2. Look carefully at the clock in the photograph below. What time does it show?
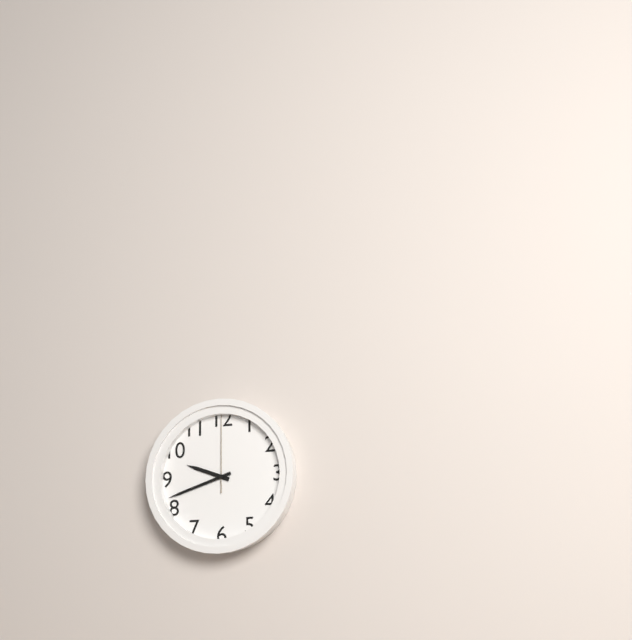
9:42:00
